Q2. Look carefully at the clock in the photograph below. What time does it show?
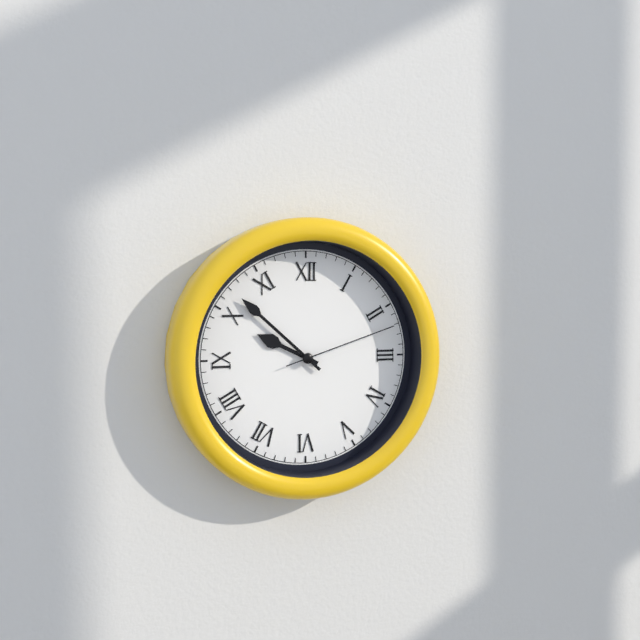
9:52:12
